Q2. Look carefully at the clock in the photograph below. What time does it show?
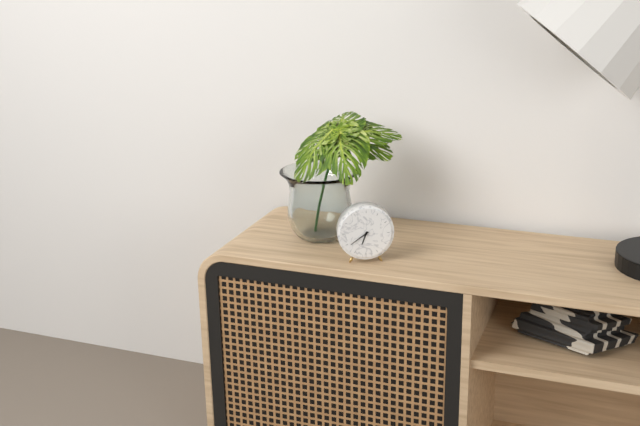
6:39
